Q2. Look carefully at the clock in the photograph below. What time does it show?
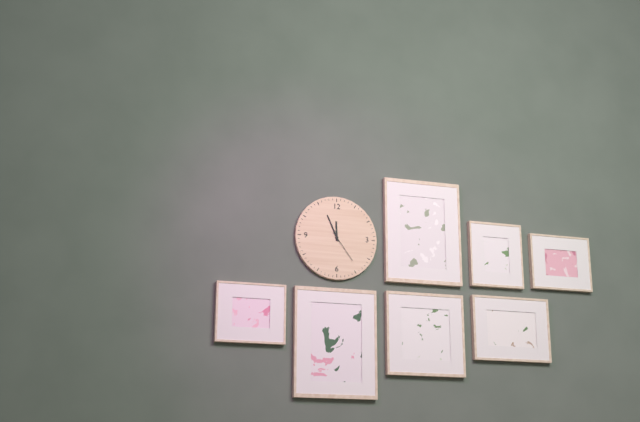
11:56
